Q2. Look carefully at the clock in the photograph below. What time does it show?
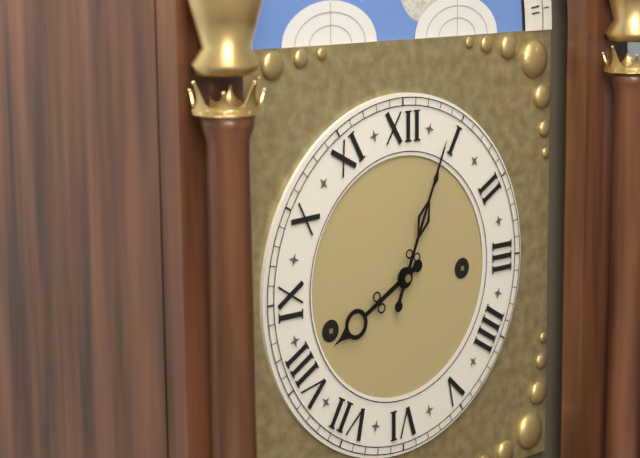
8:04
